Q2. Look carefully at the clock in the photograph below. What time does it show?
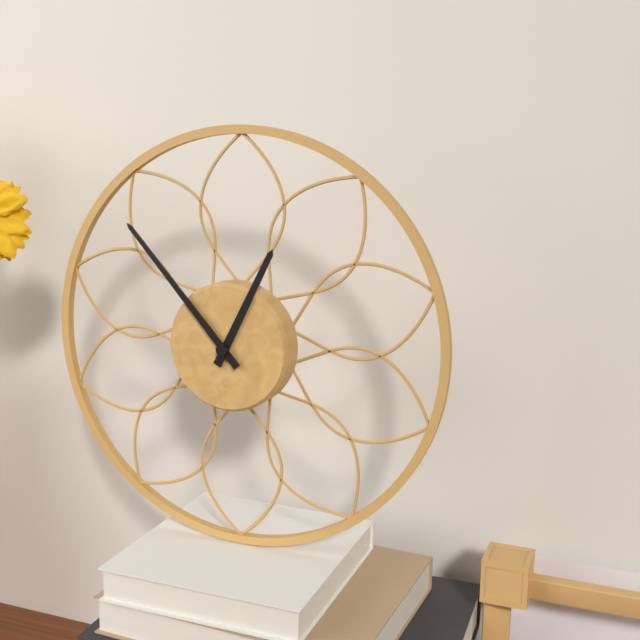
12:53
